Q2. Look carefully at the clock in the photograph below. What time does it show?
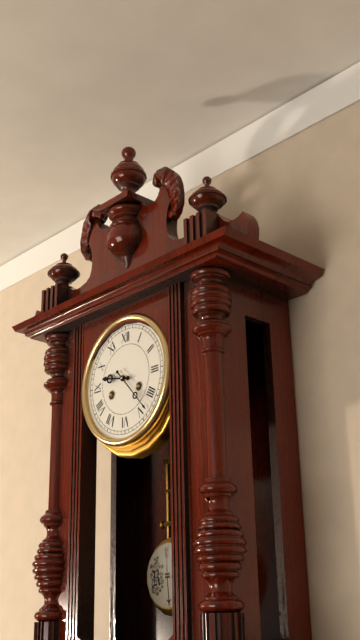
9:23
